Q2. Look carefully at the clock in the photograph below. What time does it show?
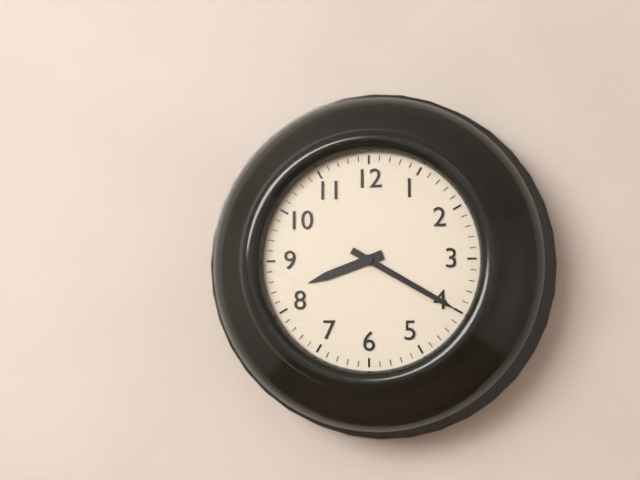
8:20
